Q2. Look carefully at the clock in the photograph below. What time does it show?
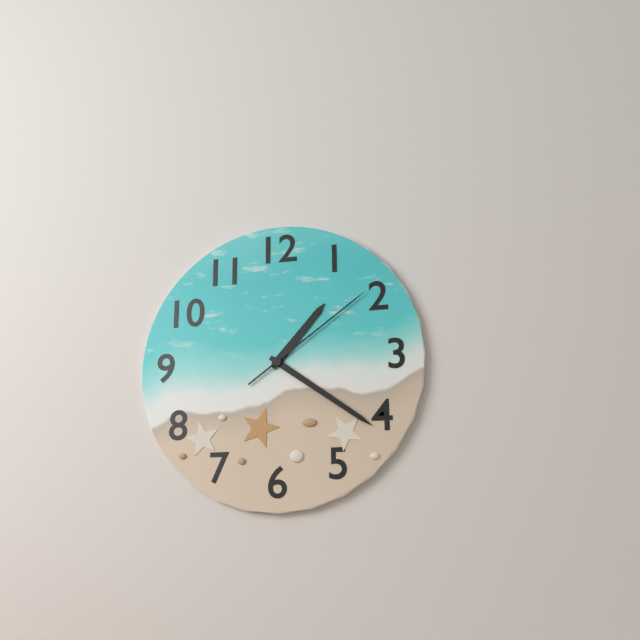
1:21:09
